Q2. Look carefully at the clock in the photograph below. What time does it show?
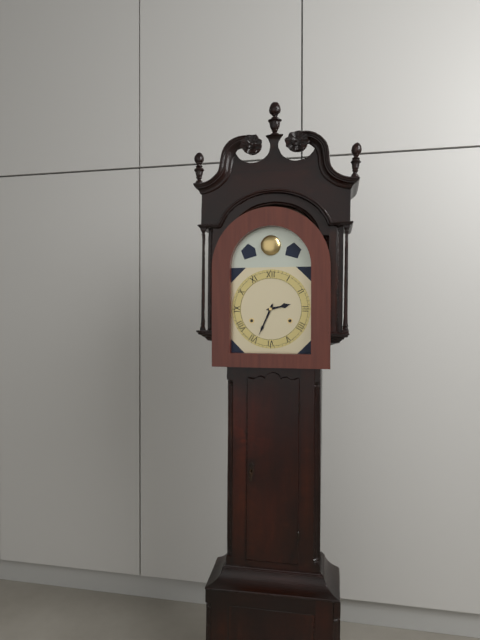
2:34
